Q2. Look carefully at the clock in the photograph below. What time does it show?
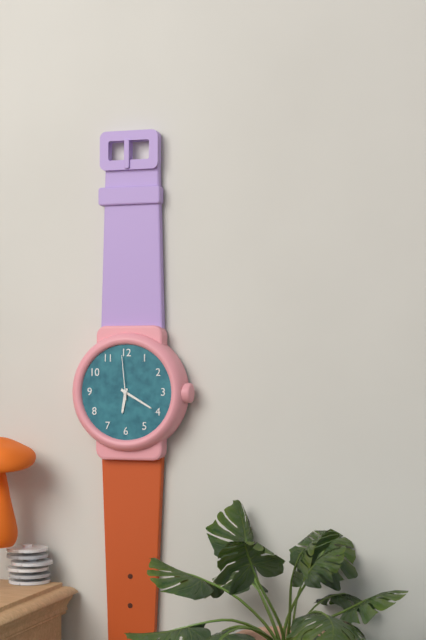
6:20
